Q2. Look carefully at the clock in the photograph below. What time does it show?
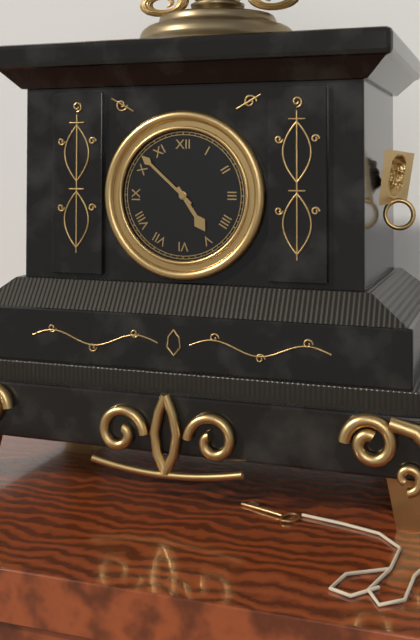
4:52
